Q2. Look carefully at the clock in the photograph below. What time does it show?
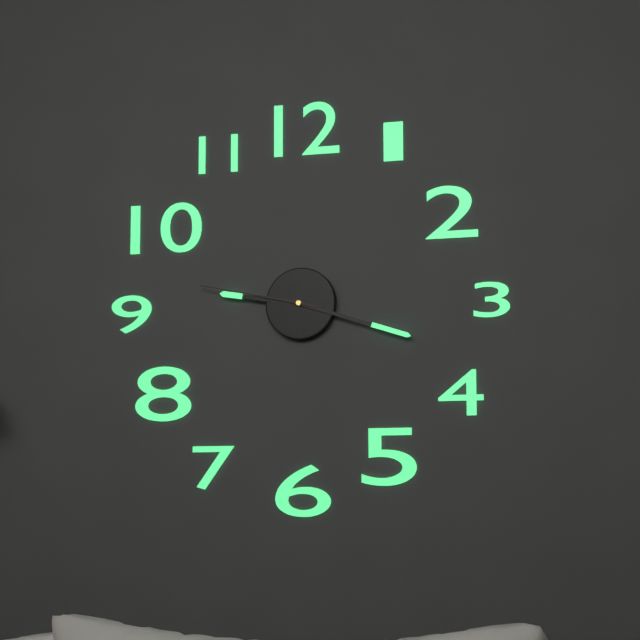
9:18:47
